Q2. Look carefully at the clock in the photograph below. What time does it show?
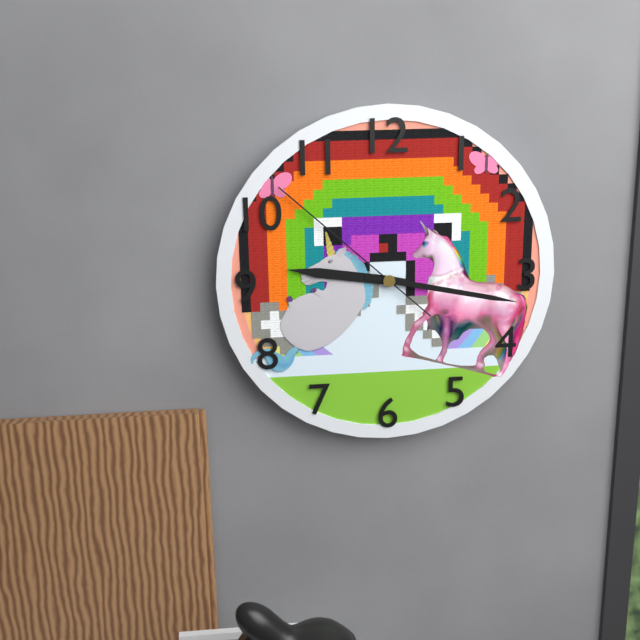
9:17:52
